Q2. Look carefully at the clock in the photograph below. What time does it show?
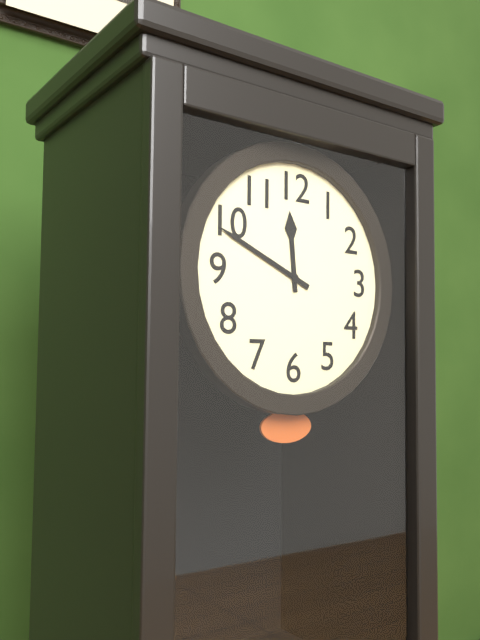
11:49
